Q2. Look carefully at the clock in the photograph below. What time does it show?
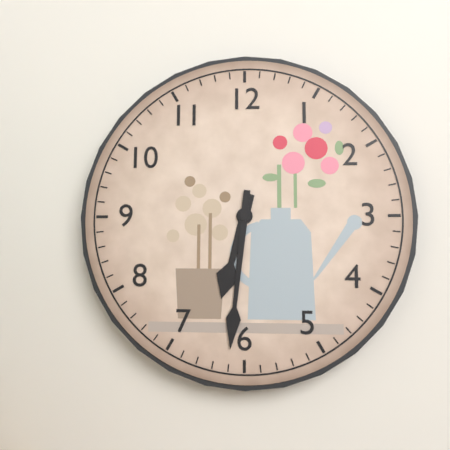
6:31
